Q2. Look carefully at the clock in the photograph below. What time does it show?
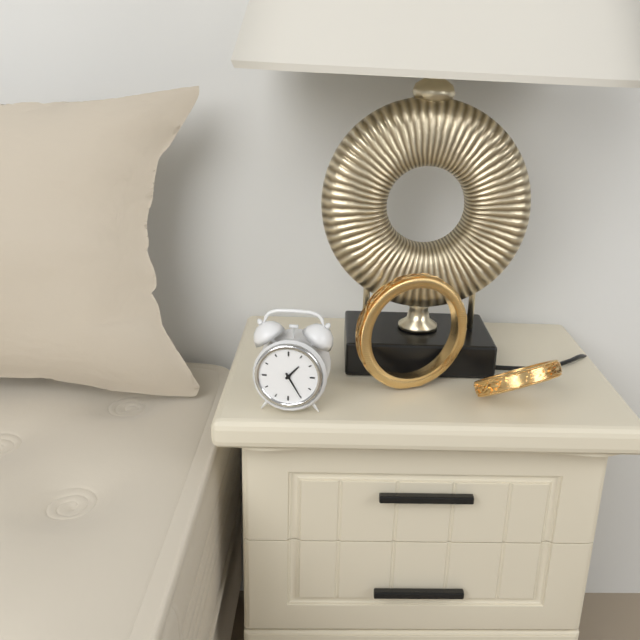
1:25
